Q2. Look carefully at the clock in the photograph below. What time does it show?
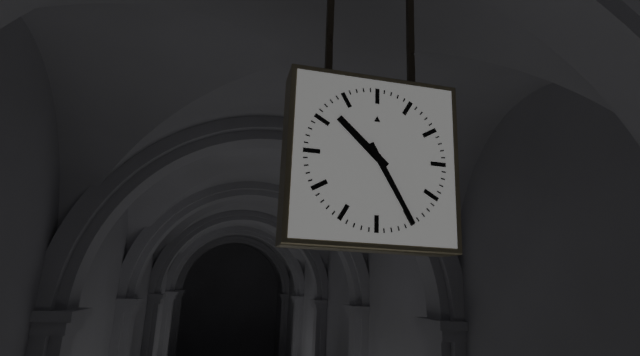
10:25
